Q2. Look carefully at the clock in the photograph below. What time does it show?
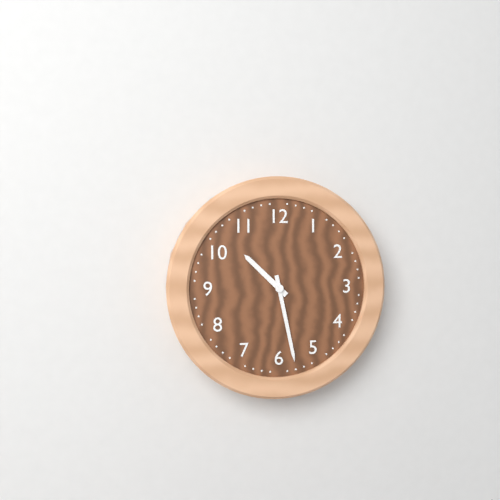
10:28
